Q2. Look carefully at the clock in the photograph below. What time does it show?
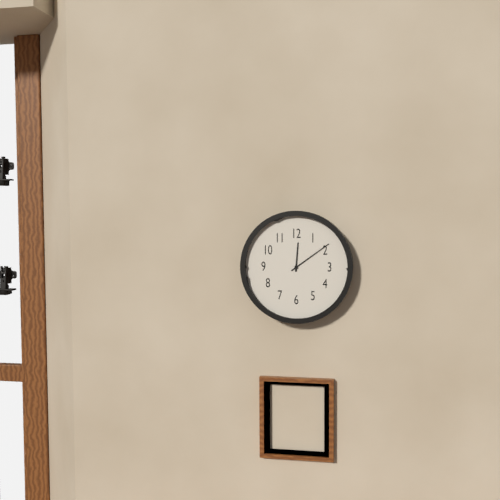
12:09
